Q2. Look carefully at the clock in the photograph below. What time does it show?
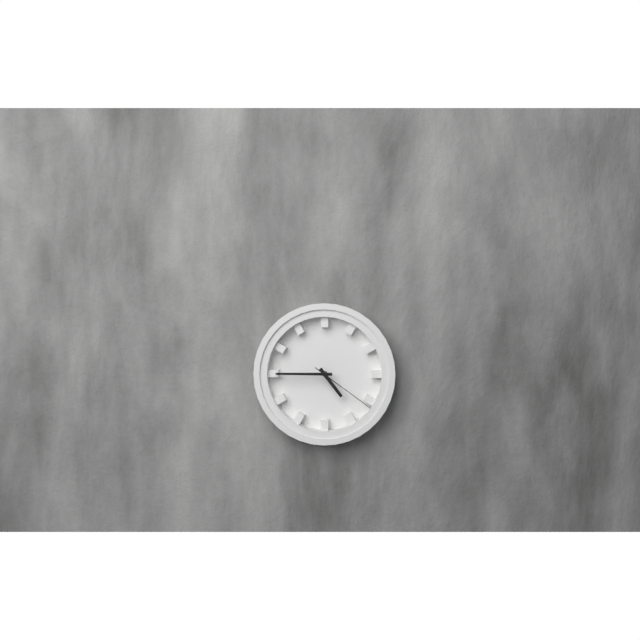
4:45:21
